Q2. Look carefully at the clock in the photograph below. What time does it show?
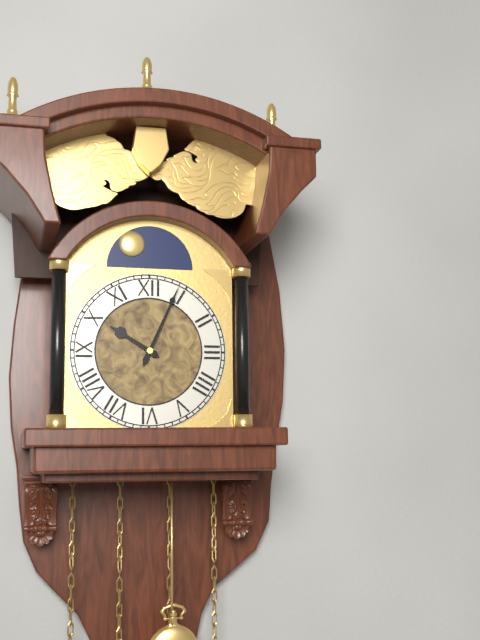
10:04
